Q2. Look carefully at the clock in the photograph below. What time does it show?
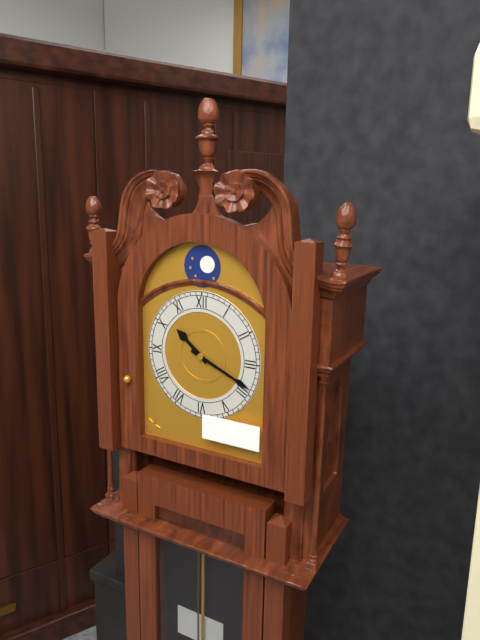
10:19
